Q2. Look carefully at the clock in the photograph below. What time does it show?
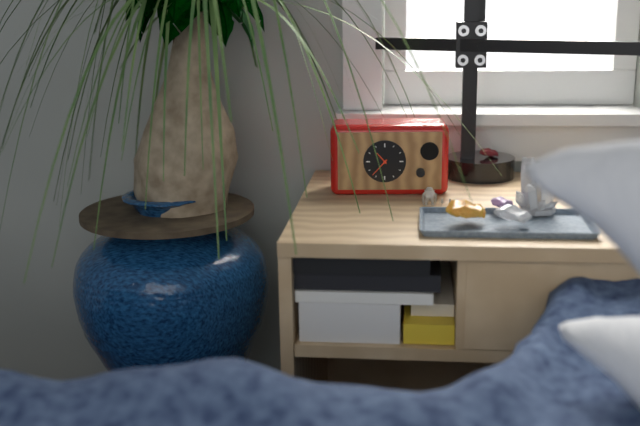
10:37
